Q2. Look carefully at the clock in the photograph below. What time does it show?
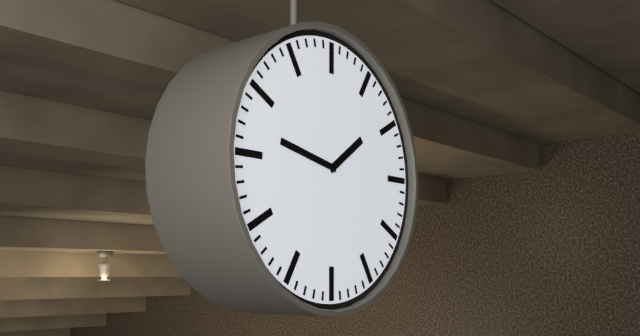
1:47
